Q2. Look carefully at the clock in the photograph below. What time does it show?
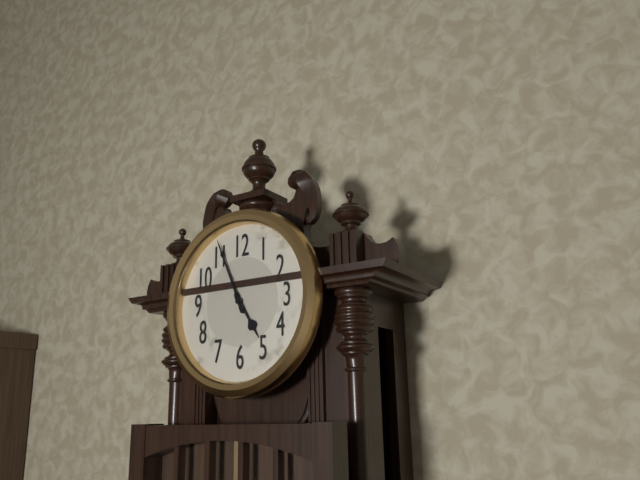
4:56
